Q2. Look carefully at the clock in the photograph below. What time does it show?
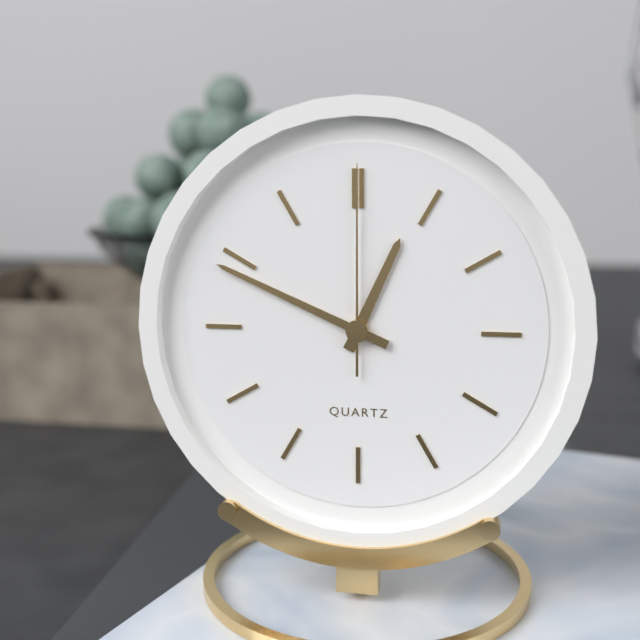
12:49:00
